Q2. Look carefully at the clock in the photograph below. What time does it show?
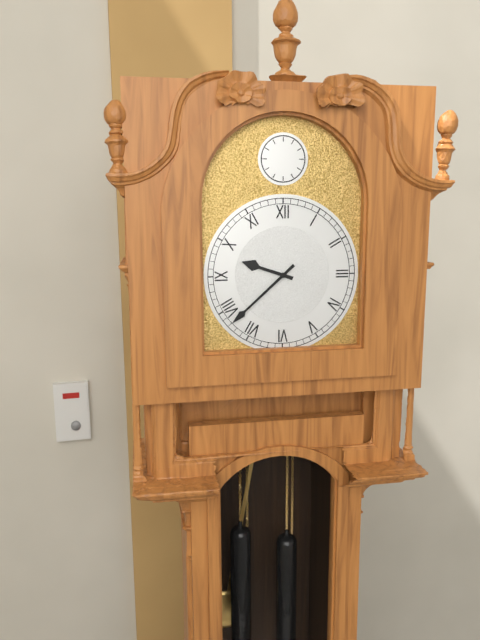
9:38
